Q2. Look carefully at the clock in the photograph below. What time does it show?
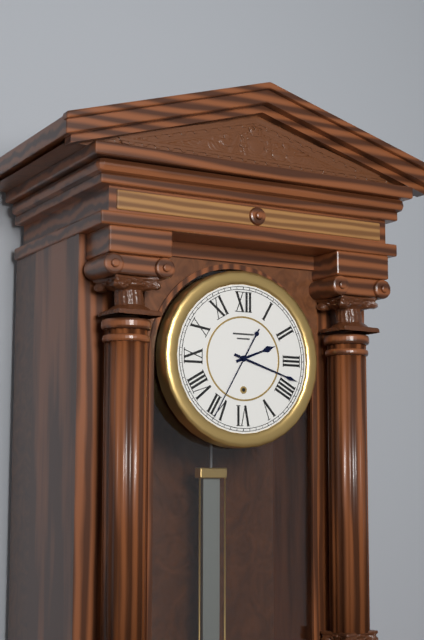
2:18:35
